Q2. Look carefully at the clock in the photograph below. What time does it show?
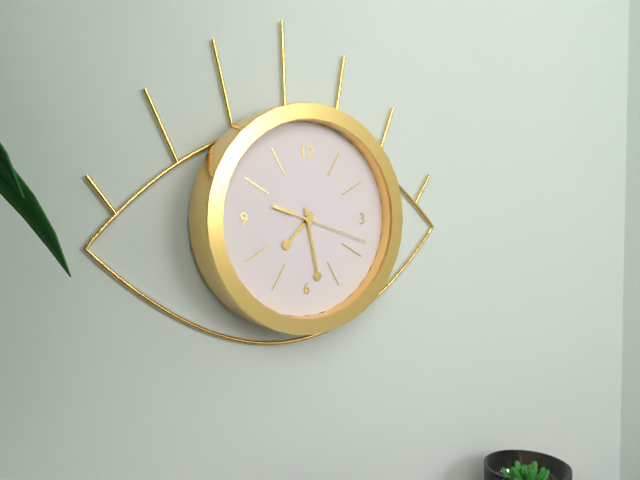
7:28:18
